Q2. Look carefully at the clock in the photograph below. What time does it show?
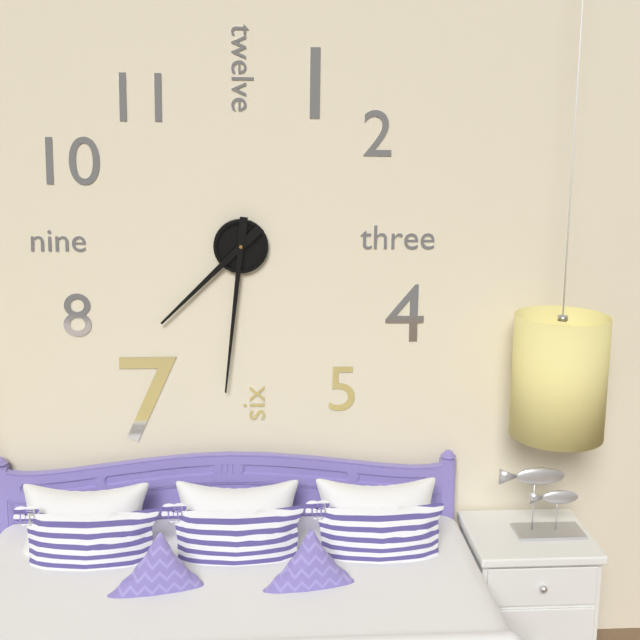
7:31
